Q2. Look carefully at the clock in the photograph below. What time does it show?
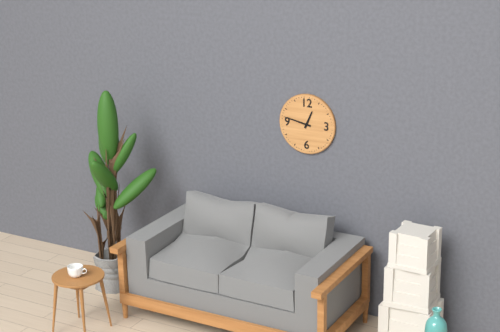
12:47
